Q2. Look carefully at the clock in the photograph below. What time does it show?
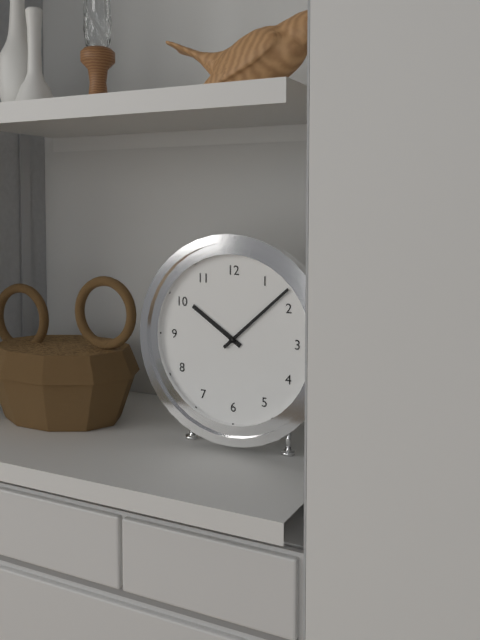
10:08
